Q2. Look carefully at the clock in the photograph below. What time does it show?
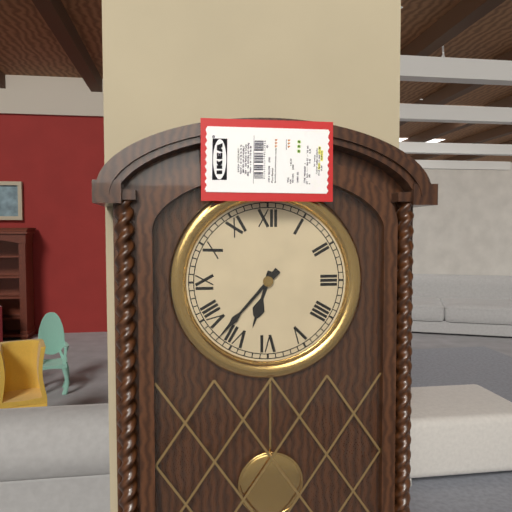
6:37
